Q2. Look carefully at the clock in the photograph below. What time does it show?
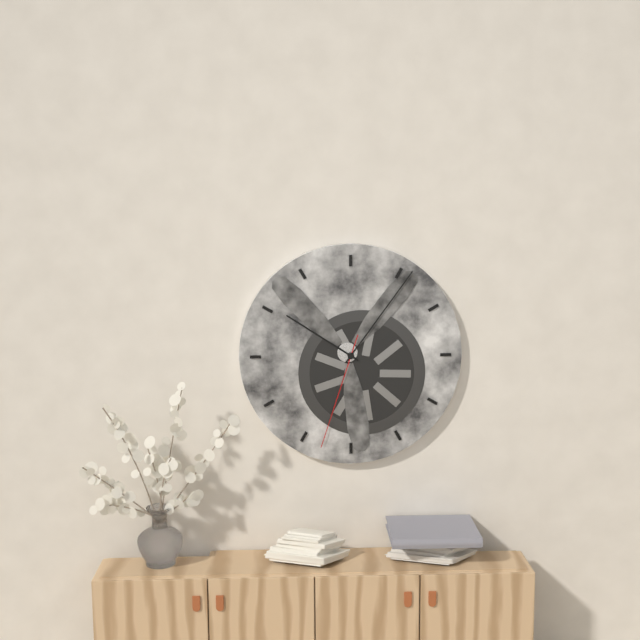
10:06:33
